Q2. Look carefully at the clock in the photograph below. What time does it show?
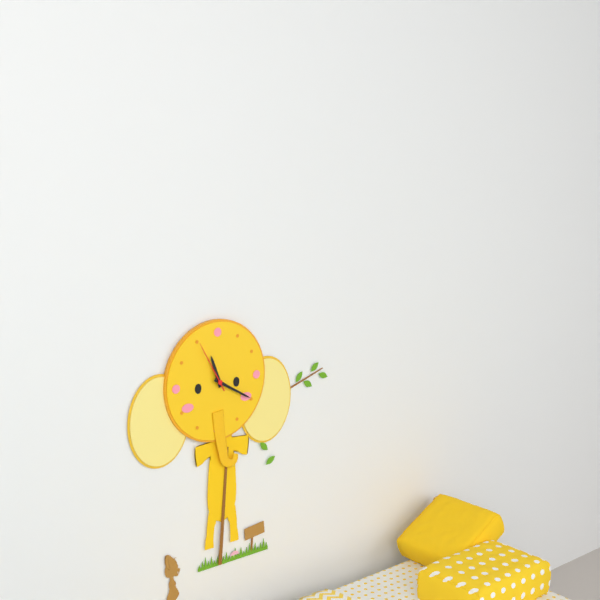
11:20:55
